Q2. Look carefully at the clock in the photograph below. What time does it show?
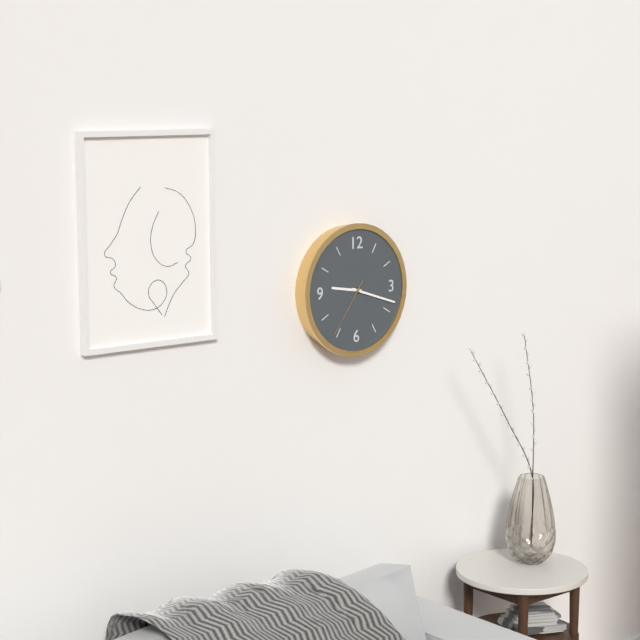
9:18:36
